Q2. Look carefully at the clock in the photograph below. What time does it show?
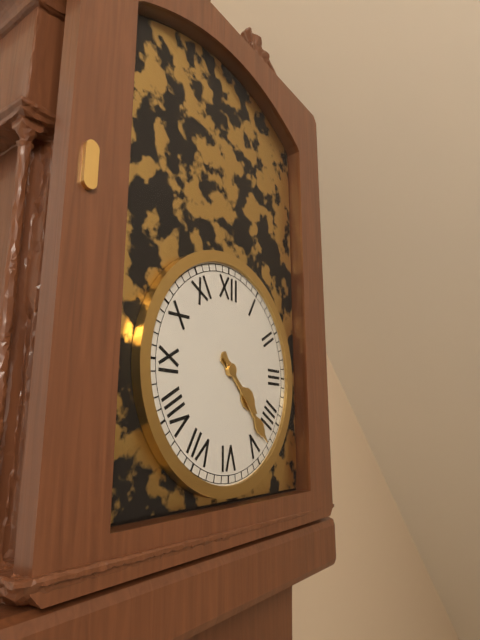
4:23
